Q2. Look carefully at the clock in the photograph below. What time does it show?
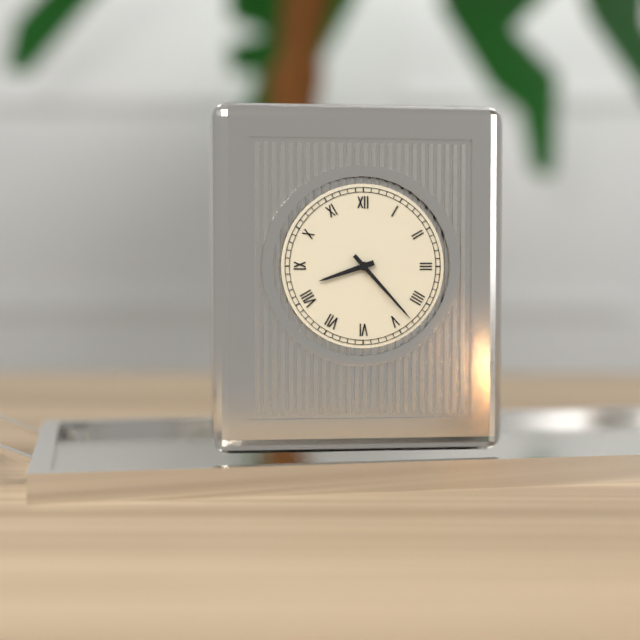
8:23
